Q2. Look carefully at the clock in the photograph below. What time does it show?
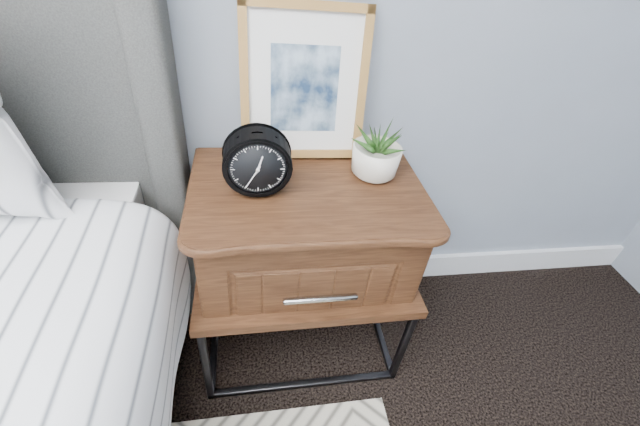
12:35
